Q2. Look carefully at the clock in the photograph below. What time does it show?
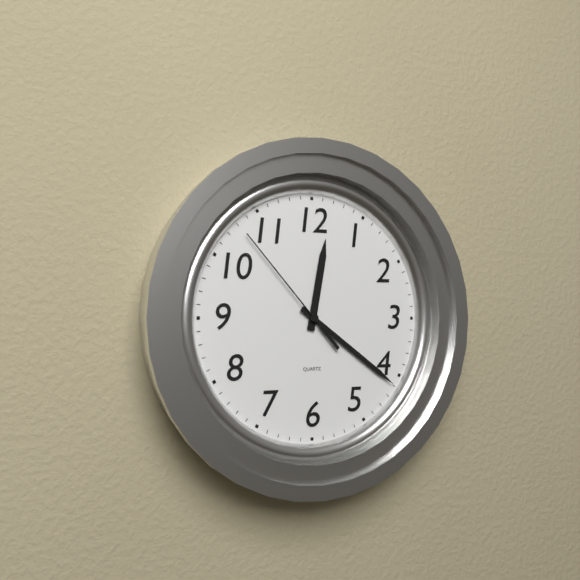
12:21:53
